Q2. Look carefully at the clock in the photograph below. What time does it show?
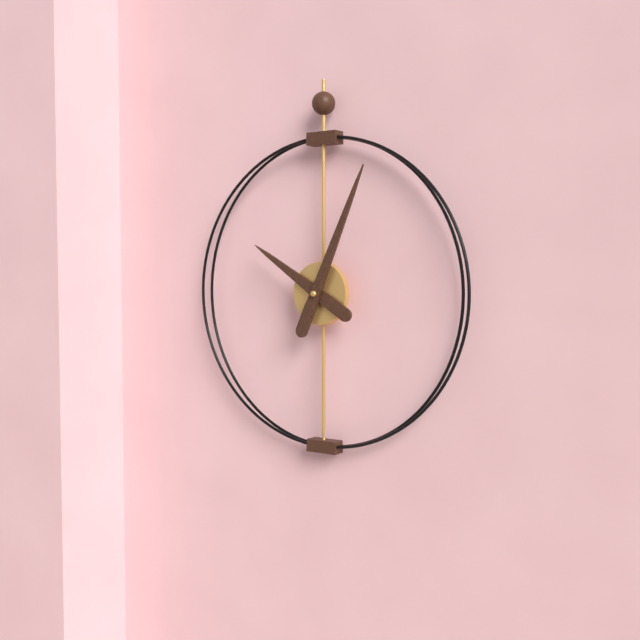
10:04
